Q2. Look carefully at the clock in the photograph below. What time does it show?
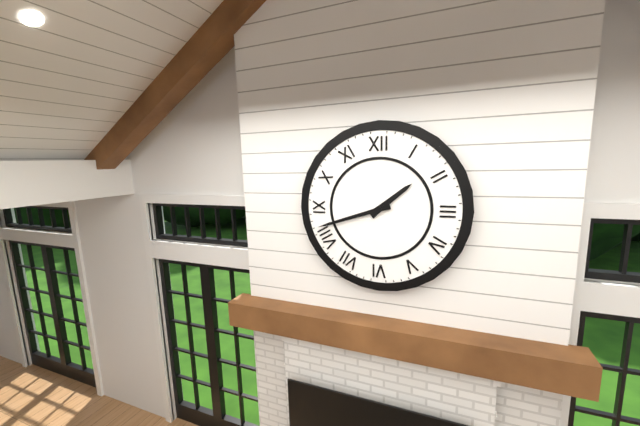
1:42
